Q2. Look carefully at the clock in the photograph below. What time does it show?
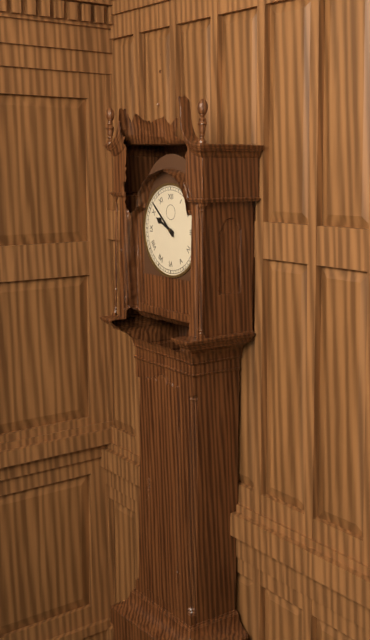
9:52
